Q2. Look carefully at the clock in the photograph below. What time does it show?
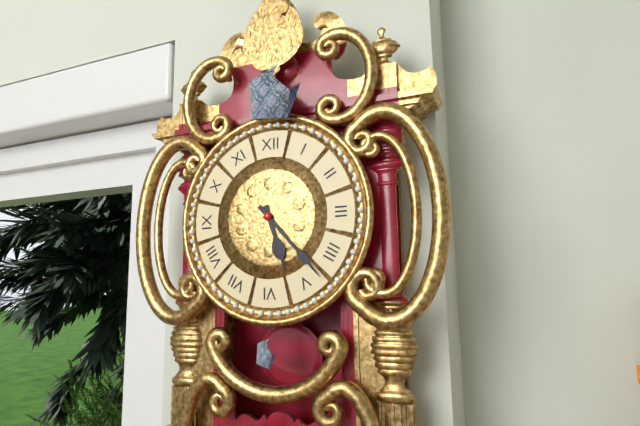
5:23
